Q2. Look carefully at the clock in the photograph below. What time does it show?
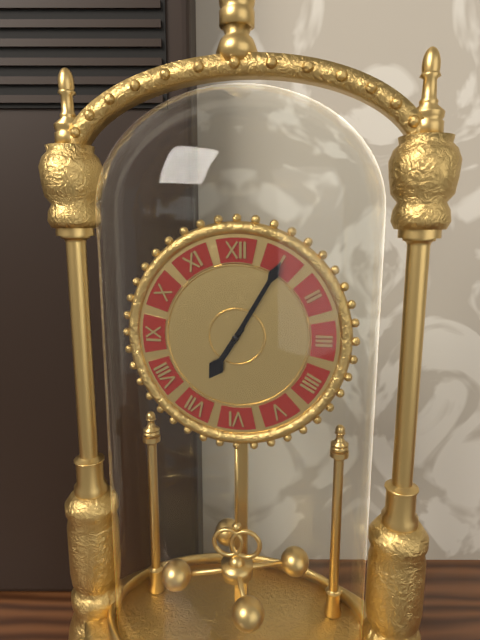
7:05
